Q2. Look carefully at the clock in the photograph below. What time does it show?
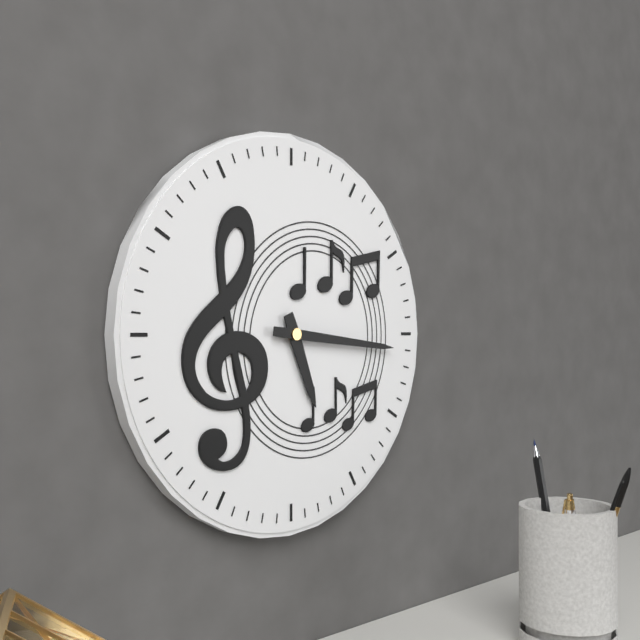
5:16
